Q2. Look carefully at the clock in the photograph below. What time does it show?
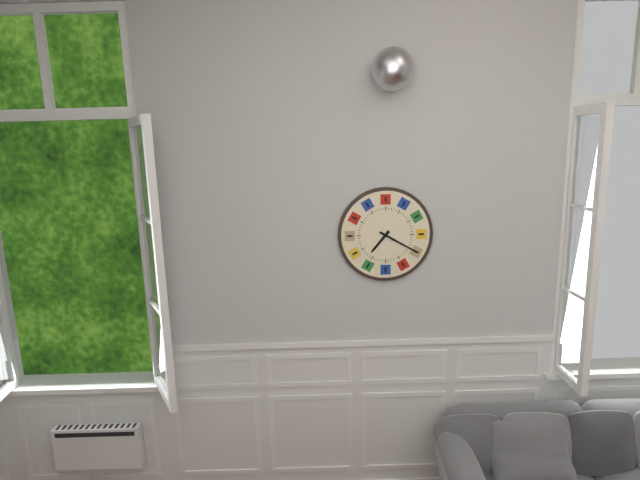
7:20
